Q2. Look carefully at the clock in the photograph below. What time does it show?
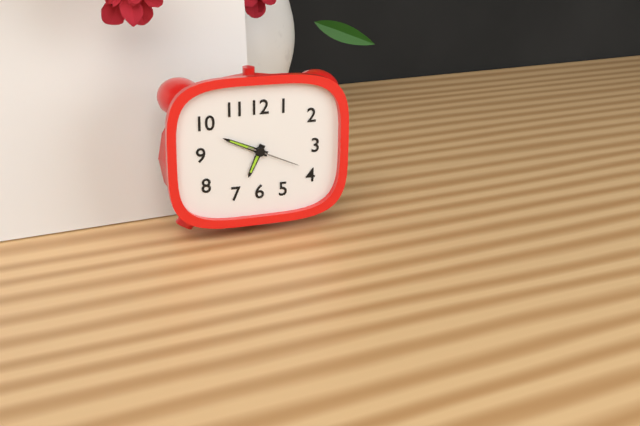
6:49:19
